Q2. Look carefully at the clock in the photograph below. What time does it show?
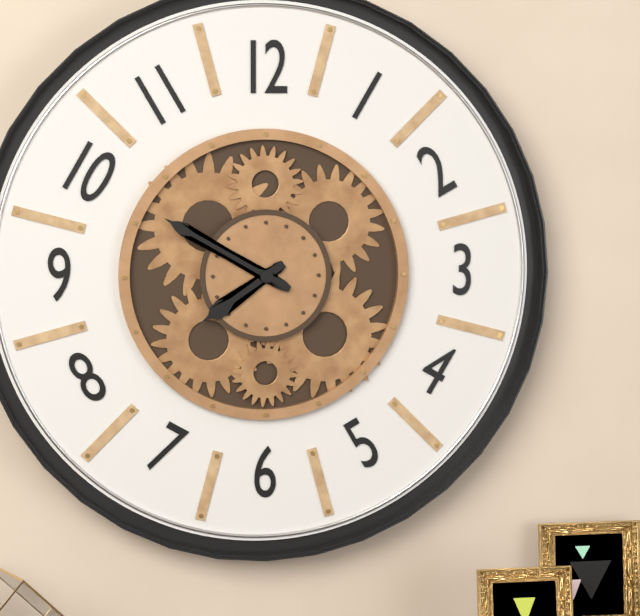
7:50
